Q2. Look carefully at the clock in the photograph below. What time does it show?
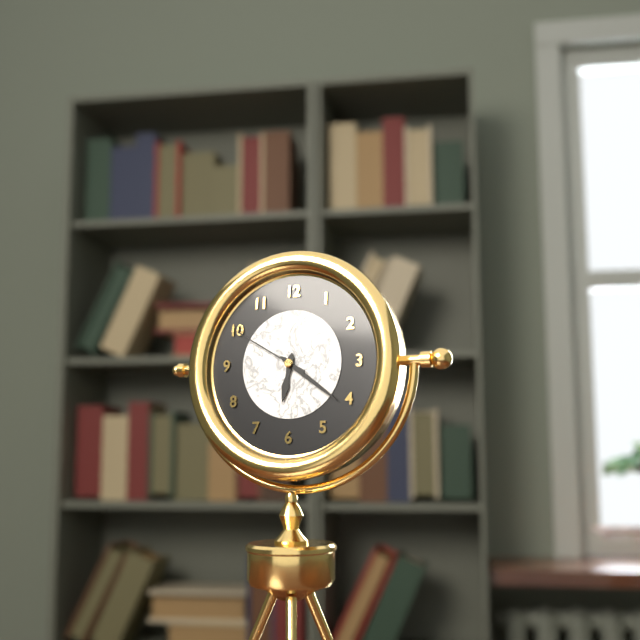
6:21:50
